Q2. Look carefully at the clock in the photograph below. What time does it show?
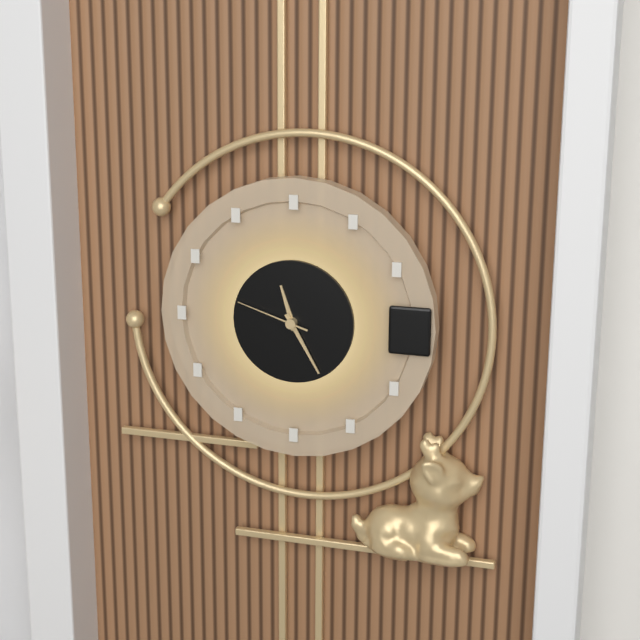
11:25:48
